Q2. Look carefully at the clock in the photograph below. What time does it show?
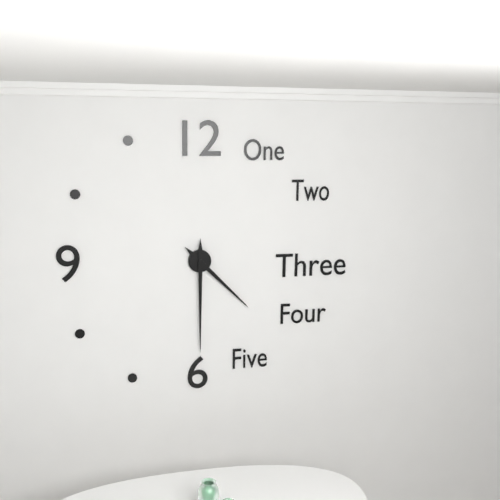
4:30
